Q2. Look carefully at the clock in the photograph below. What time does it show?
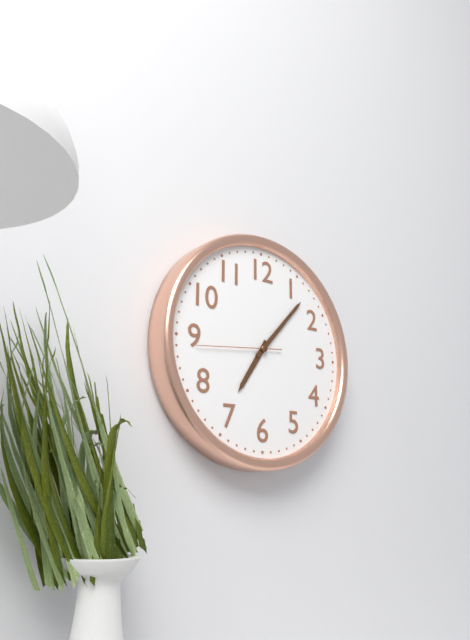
7:07:44
